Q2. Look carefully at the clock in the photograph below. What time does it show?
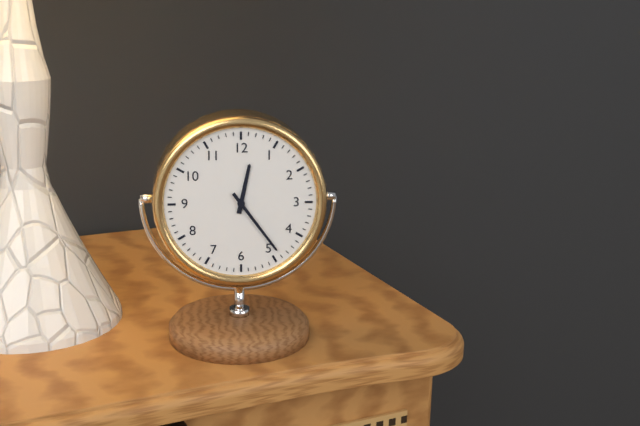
12:24
